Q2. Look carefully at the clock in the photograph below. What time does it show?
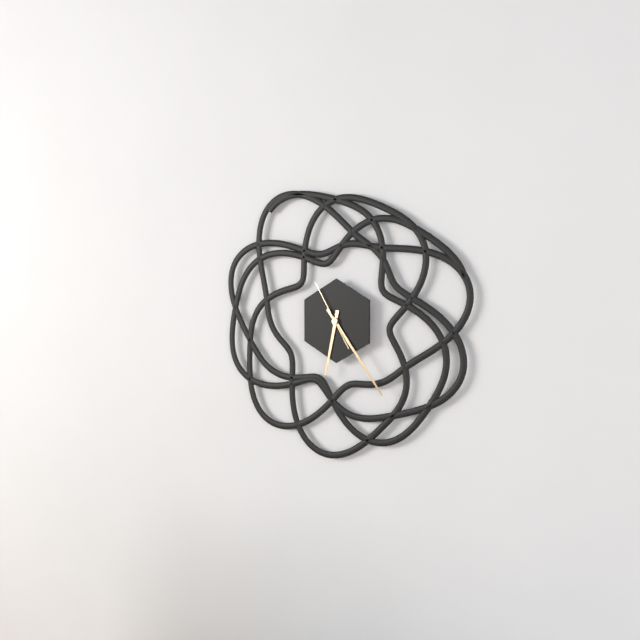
6:24:55
